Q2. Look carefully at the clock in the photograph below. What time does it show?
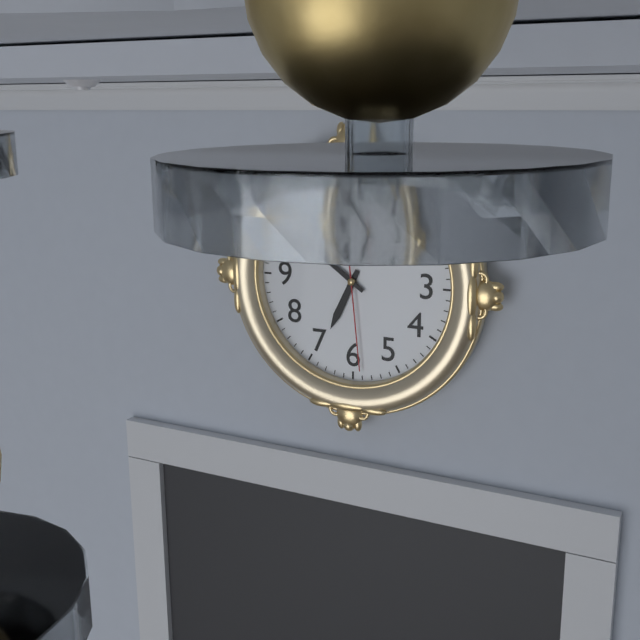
6:51:29
